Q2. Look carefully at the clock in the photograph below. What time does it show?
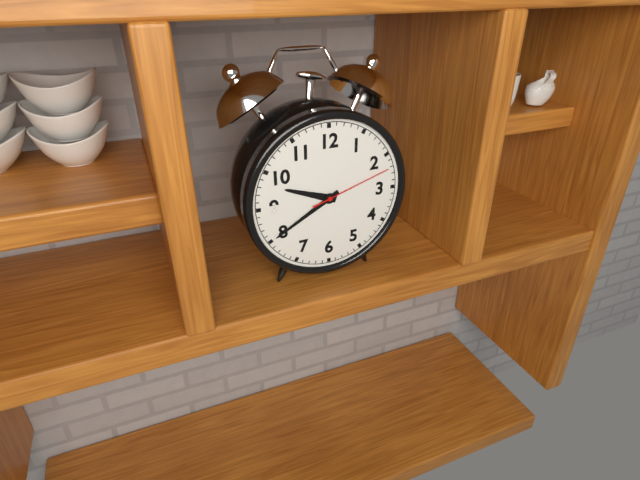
9:40:12
